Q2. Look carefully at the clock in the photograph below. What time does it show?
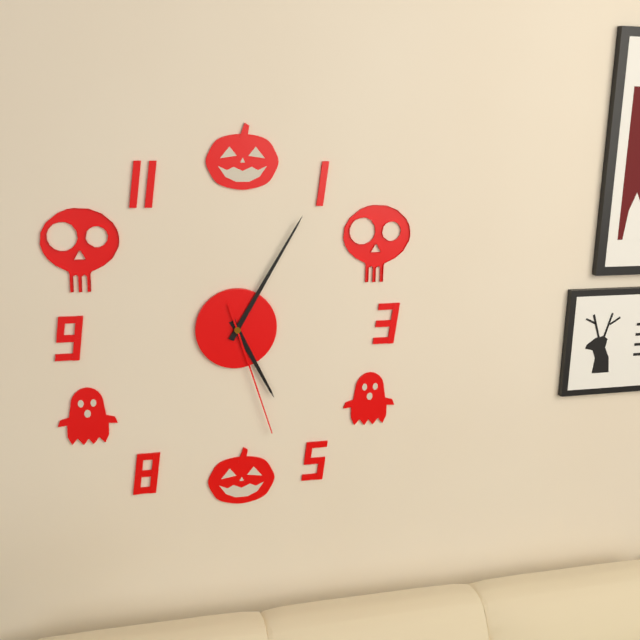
5:05:27
